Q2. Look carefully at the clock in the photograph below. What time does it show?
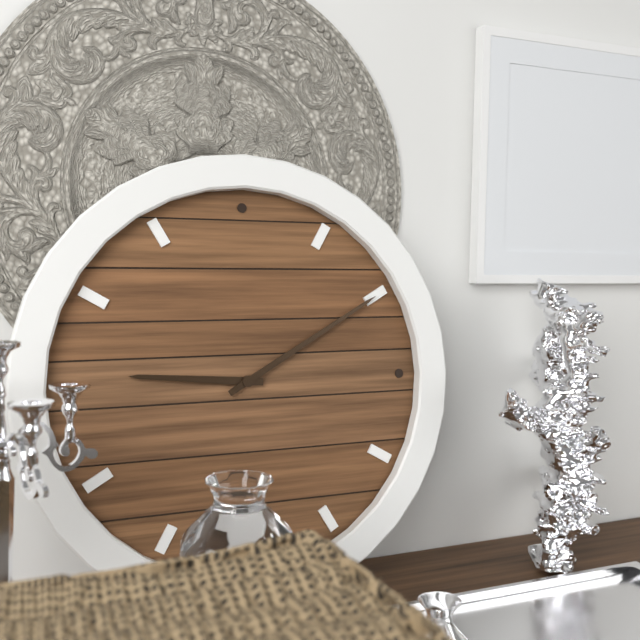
9:10
